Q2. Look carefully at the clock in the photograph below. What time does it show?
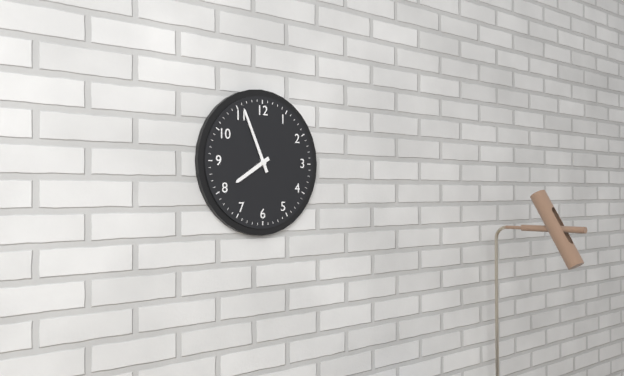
7:56
